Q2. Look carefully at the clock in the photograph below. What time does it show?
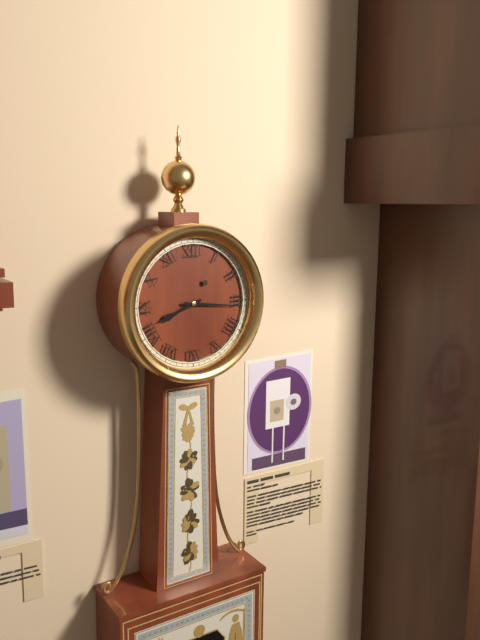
8:16
